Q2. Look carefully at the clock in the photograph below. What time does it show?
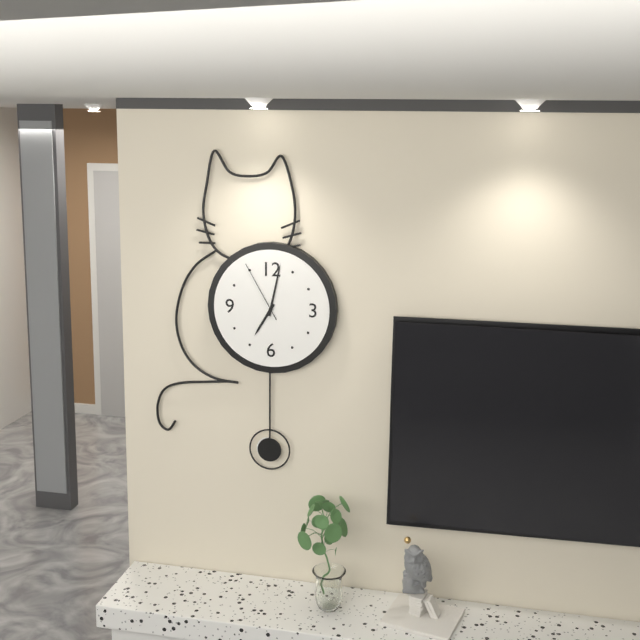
7:02:55
